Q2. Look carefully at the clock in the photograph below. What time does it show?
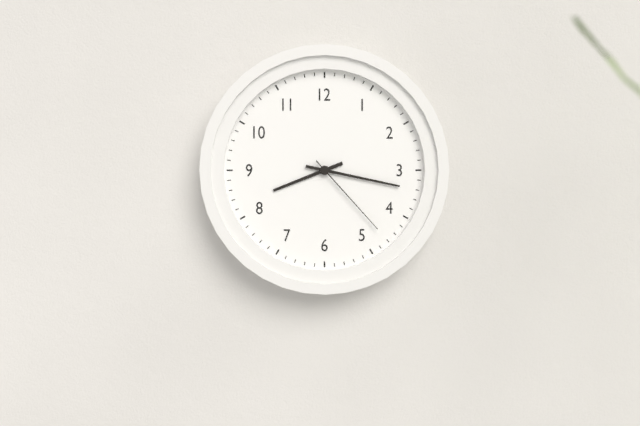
8:17:23
